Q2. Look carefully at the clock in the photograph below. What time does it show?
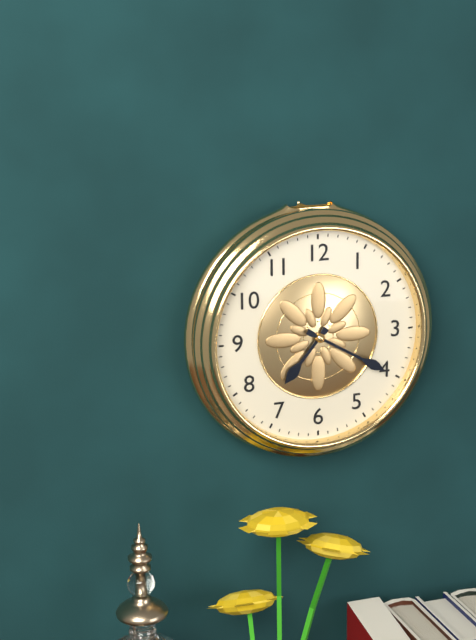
7:20
